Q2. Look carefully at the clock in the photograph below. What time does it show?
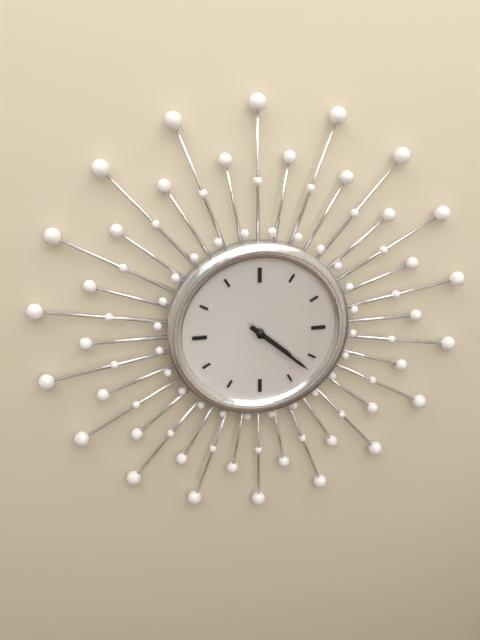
4:22
